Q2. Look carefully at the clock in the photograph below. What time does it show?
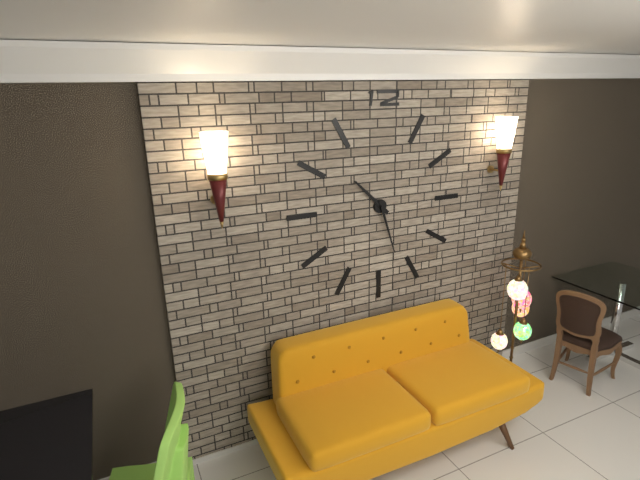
10:27
